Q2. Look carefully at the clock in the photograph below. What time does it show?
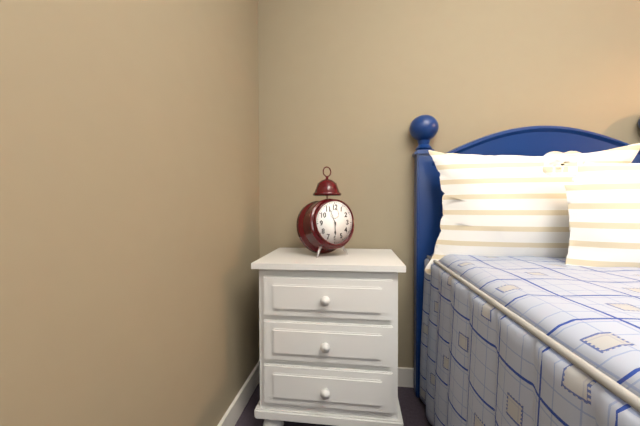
5:56
